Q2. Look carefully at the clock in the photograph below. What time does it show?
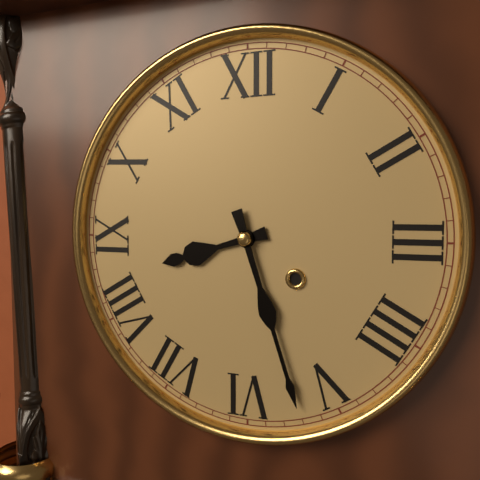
8:27
